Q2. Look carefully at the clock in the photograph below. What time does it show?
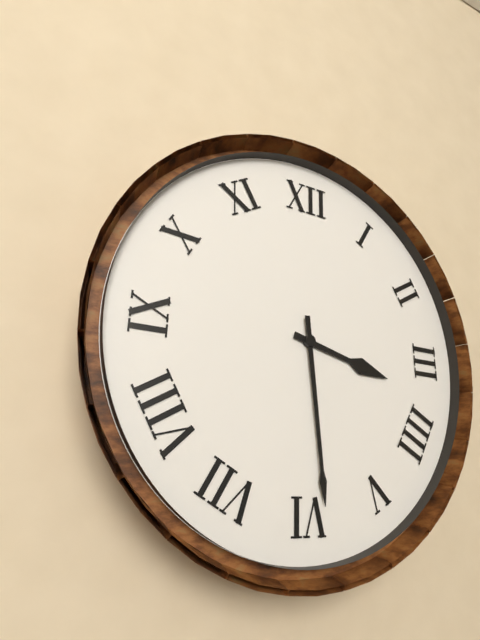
3:29
